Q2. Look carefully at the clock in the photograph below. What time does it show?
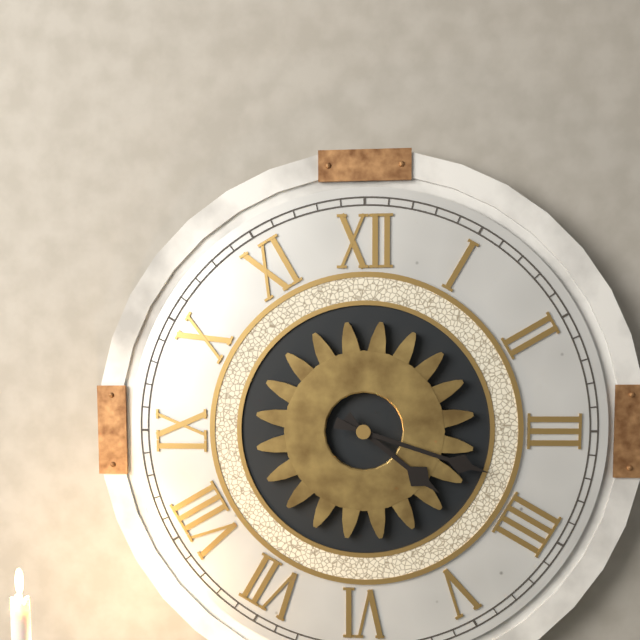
4:18
